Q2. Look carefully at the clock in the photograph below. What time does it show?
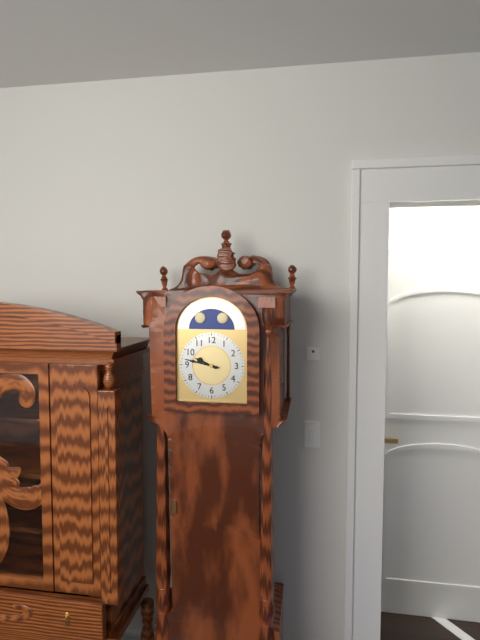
9:47
